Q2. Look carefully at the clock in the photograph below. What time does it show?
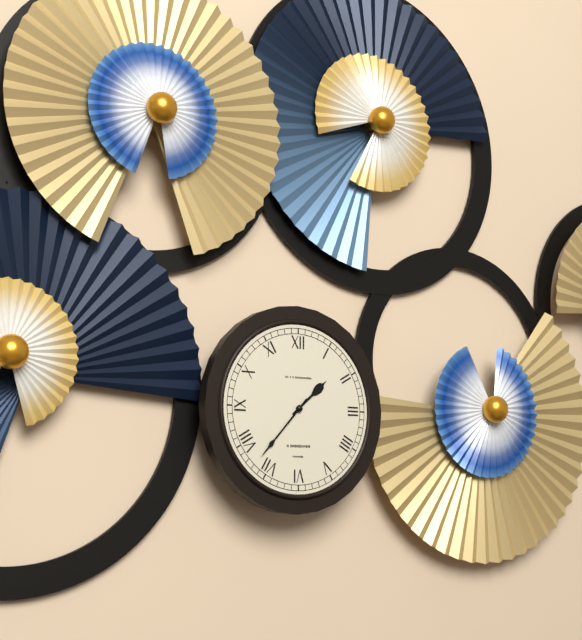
1:37
